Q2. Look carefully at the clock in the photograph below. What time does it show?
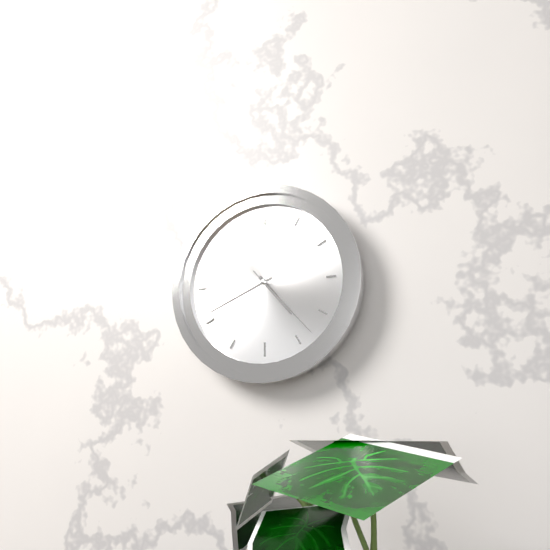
4:41:23
